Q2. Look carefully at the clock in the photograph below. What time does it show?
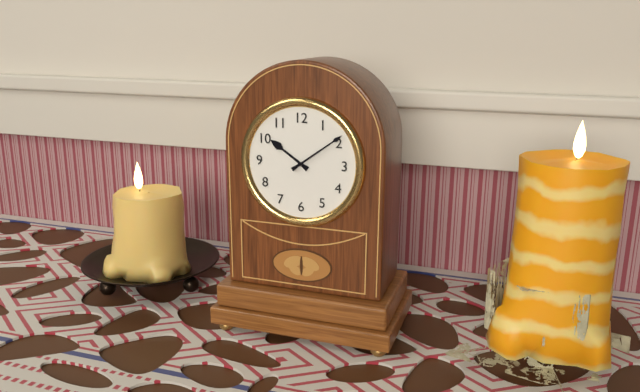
10:09
